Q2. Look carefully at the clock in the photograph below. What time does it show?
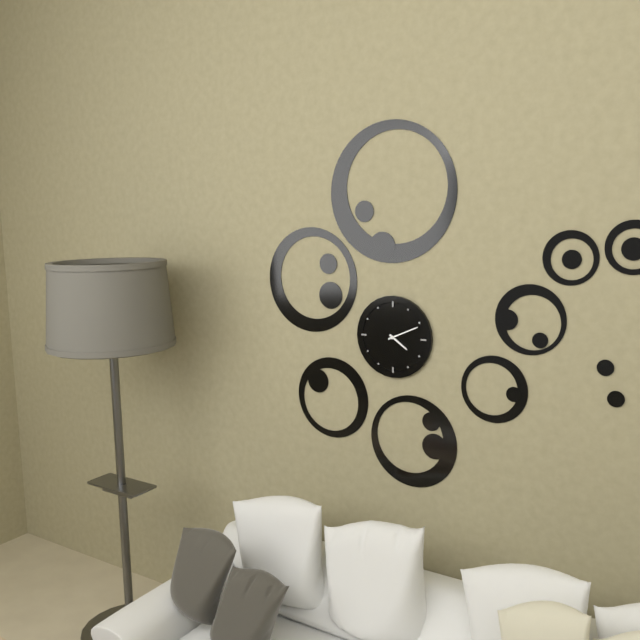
4:11
